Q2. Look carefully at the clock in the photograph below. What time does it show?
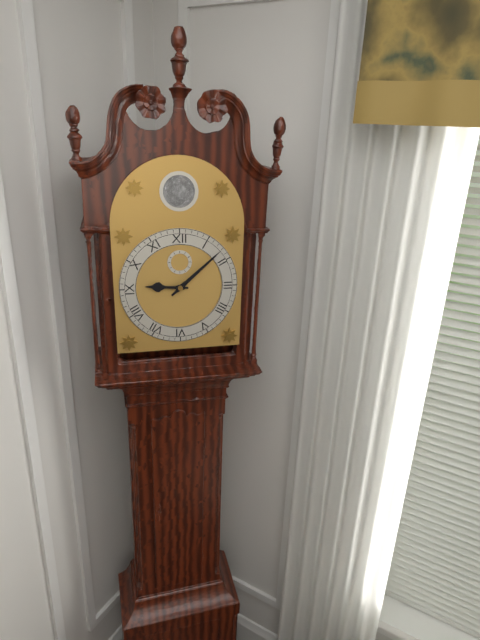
9:08
